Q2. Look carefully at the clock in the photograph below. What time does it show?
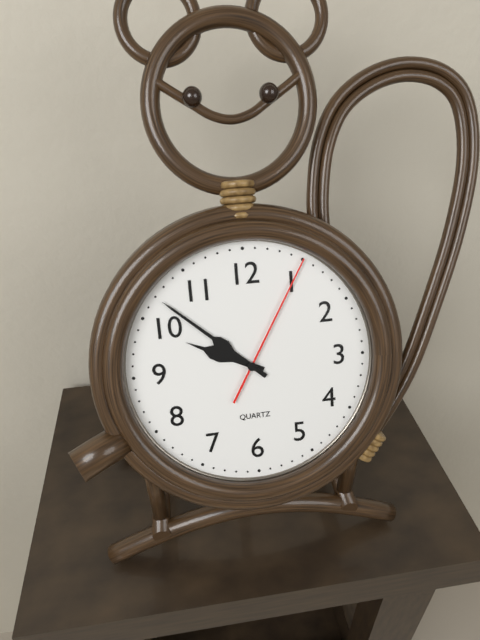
9:52:05
